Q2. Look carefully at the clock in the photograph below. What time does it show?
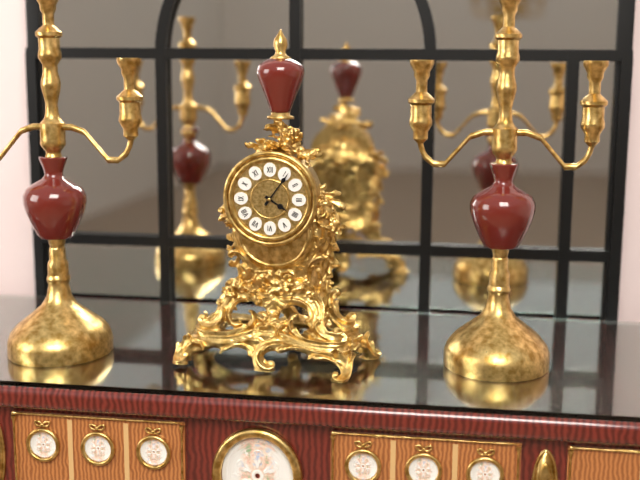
4:06
